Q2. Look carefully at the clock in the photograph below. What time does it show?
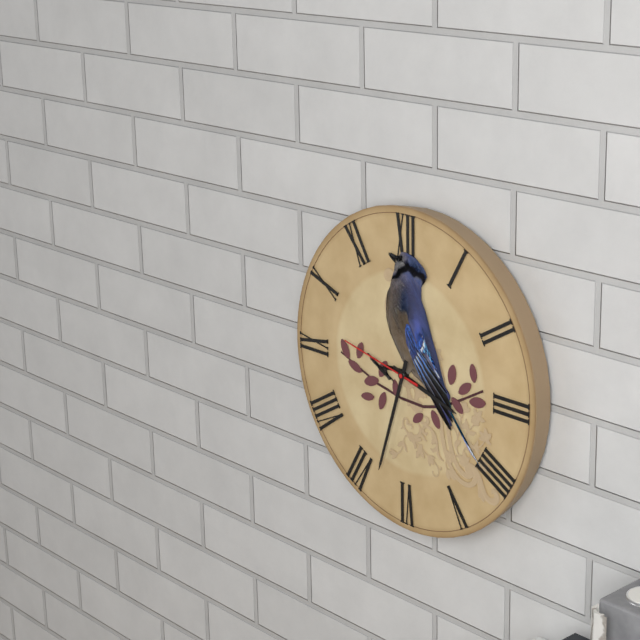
3:33:47
